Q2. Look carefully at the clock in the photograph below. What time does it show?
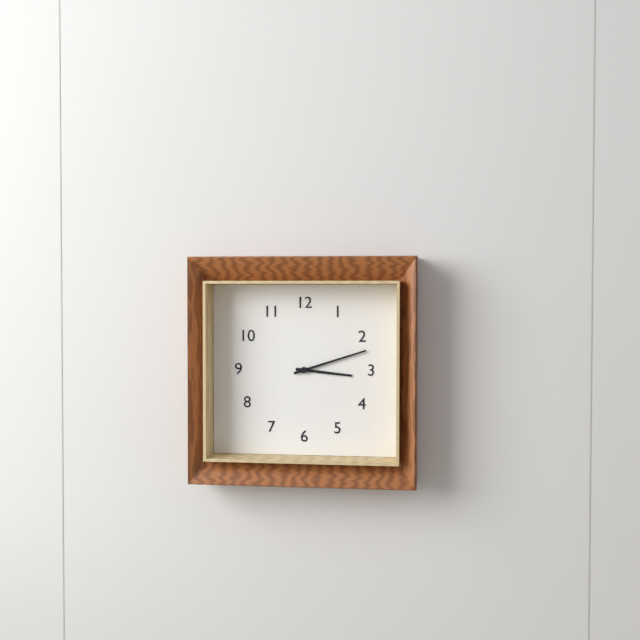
3:12
